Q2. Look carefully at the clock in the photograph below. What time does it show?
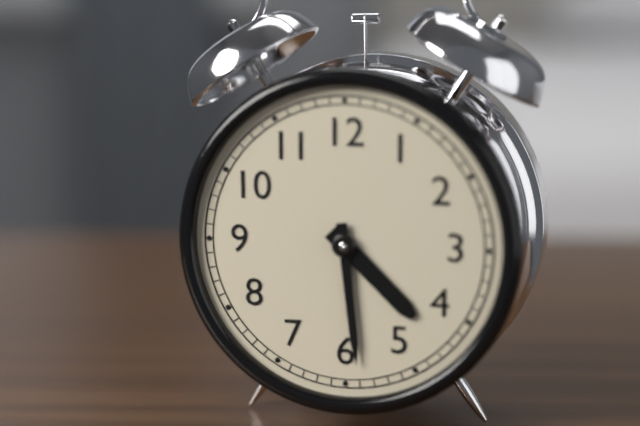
4:29
